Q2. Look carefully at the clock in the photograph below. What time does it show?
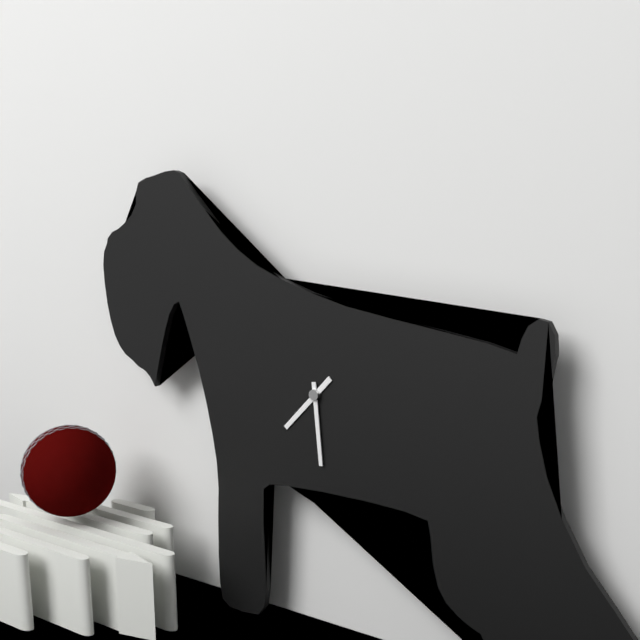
7:29
